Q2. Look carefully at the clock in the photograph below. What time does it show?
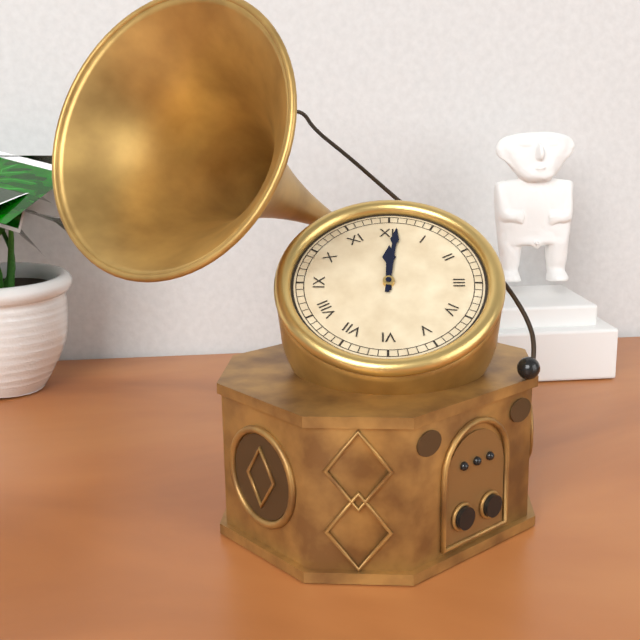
12:01
